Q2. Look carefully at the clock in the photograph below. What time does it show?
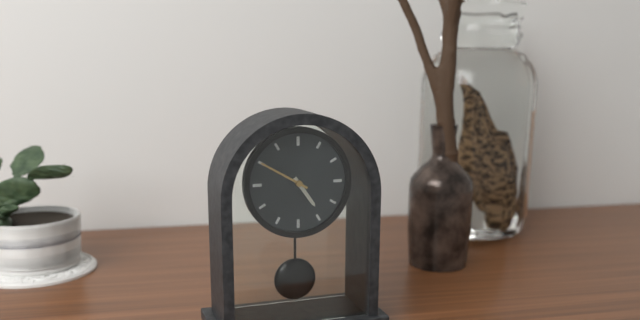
4:50
